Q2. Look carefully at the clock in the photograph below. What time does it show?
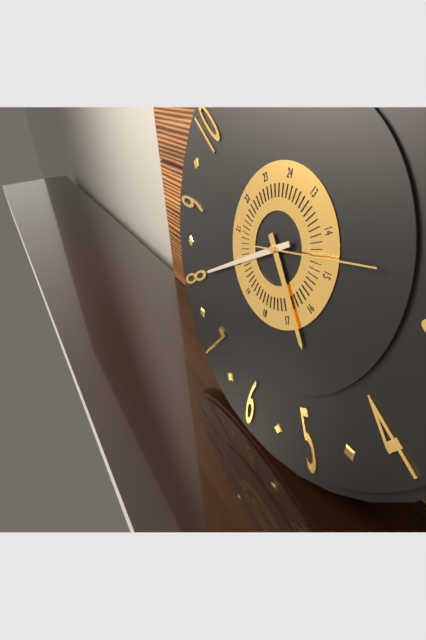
4:40:13
